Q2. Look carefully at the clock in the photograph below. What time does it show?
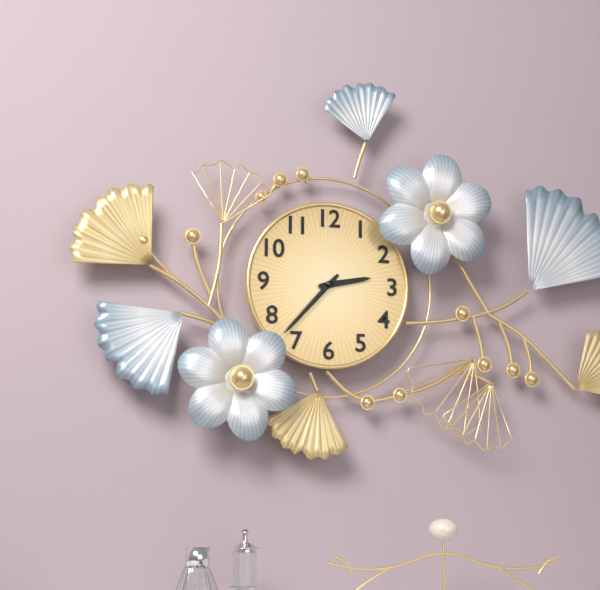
2:37
